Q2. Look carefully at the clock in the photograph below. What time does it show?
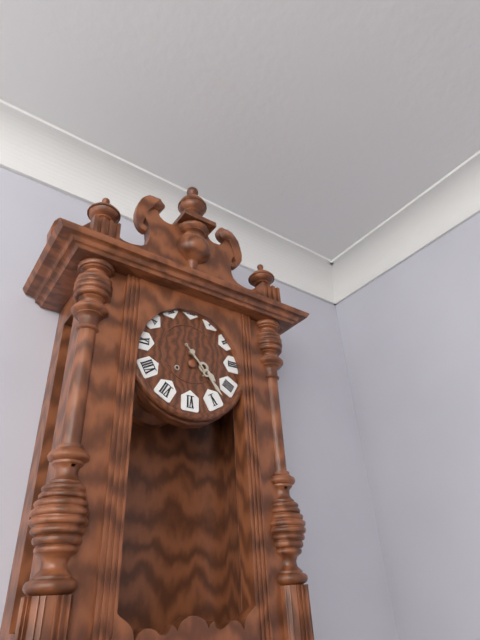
4:23
